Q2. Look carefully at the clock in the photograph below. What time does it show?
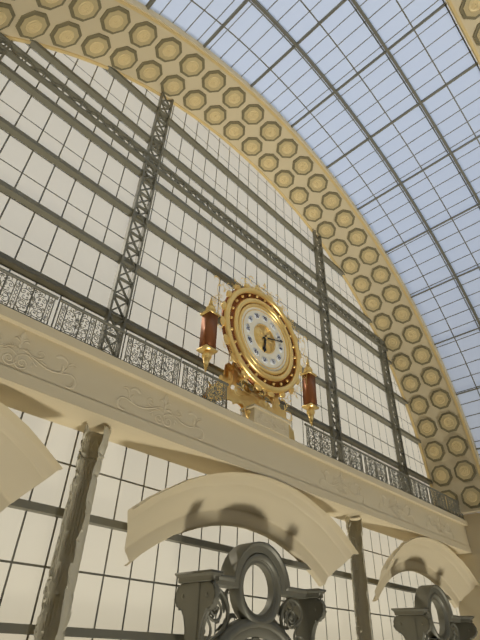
6:12
